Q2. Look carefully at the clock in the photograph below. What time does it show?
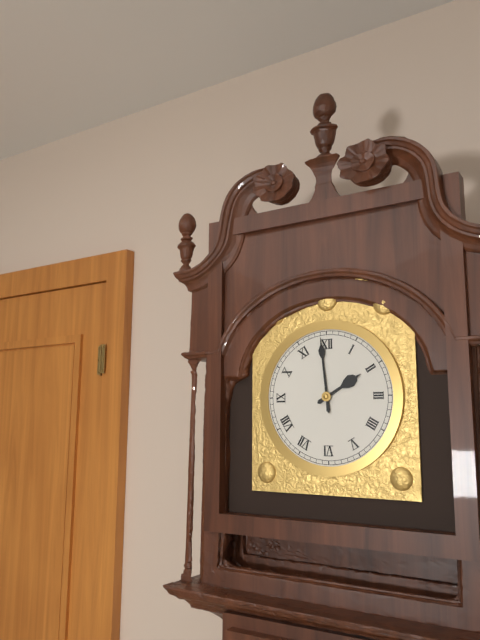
1:59
